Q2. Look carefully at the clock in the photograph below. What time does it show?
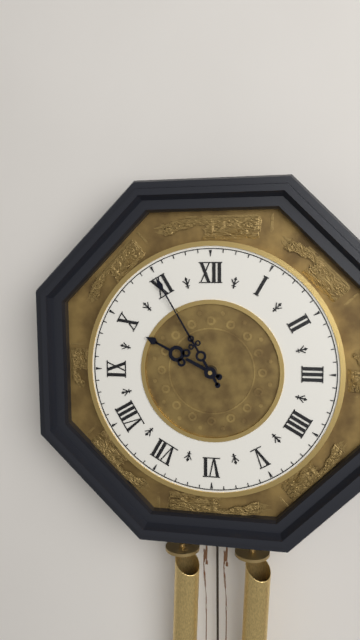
9:55
